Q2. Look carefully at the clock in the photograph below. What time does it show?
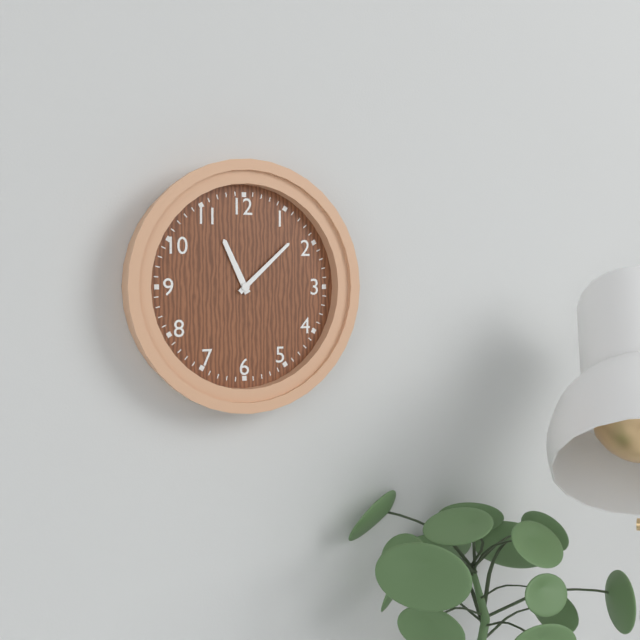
11:08
